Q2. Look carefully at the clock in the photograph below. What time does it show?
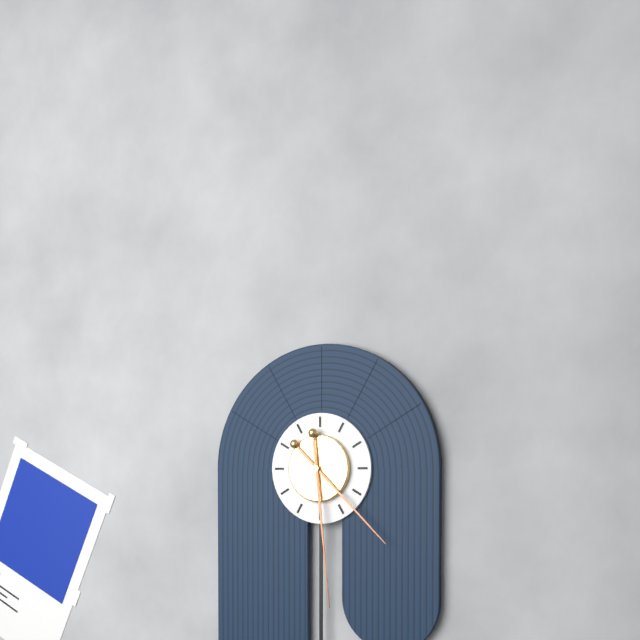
4:29
